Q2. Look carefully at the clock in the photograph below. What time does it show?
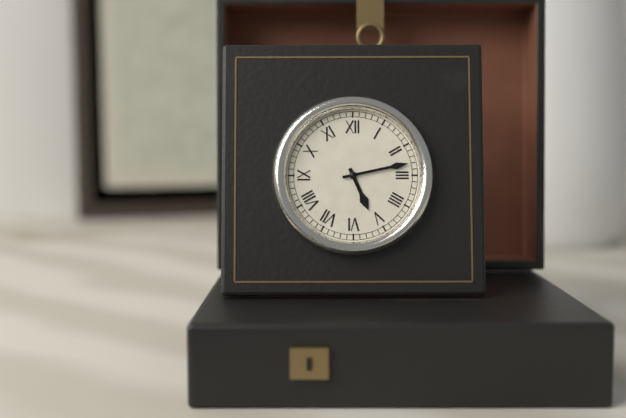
5:13
